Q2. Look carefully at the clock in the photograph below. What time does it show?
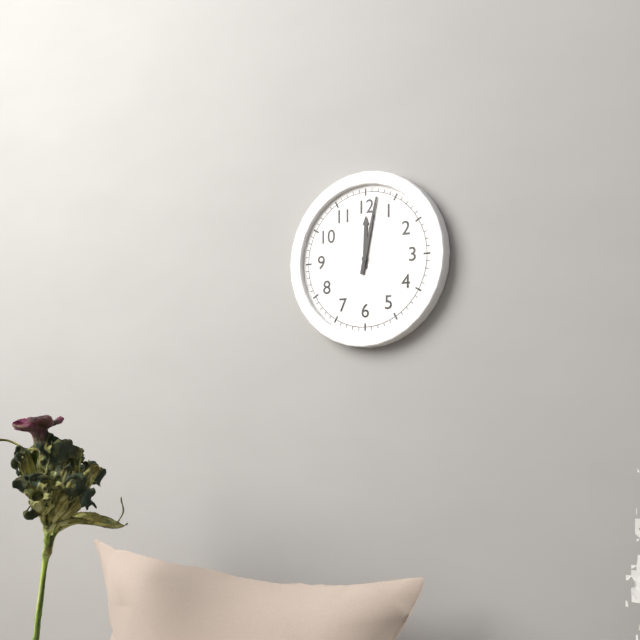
12:02
